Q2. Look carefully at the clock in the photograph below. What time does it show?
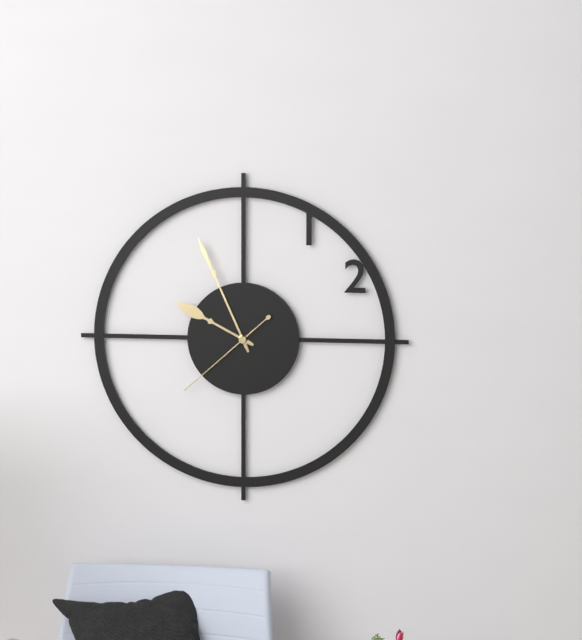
9:56:38
